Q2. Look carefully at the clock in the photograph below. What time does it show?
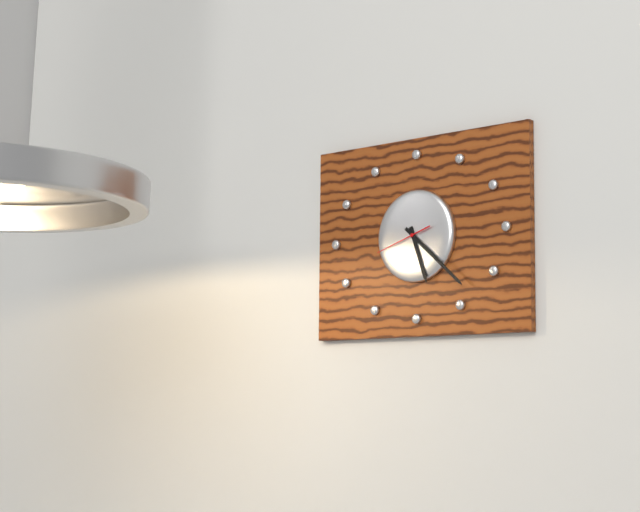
5:22
